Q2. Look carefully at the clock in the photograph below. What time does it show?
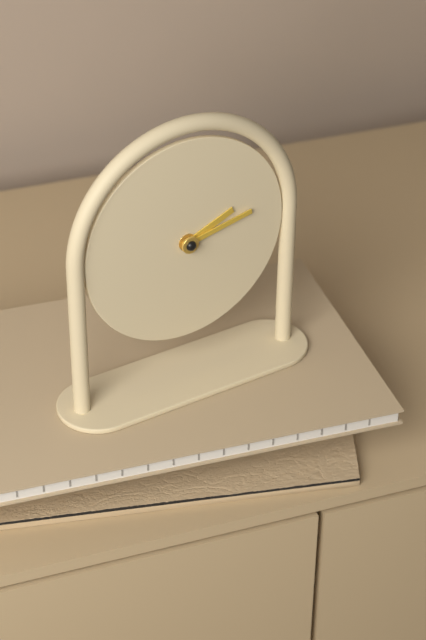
2:13
